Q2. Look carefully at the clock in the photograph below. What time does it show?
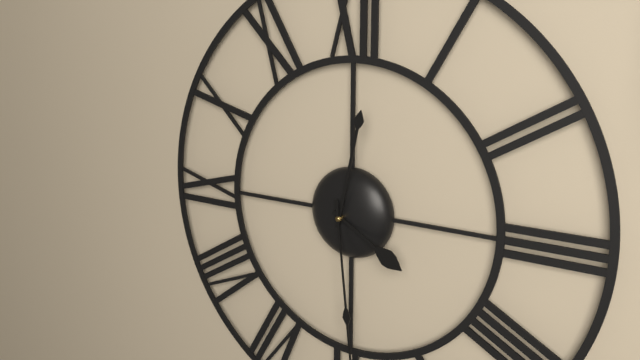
4:02
